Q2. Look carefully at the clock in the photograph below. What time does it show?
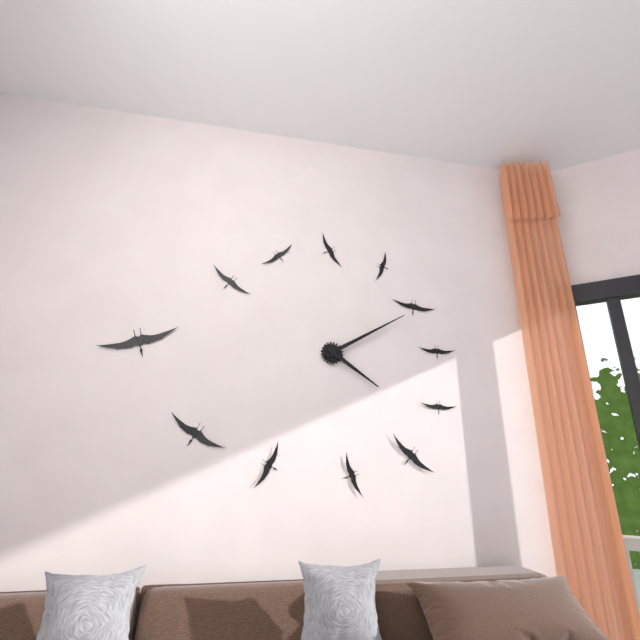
4:10
